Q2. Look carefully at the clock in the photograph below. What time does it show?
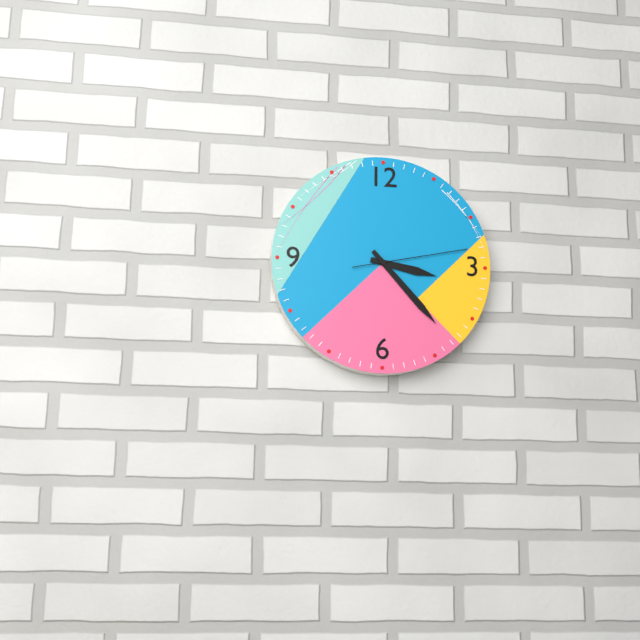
3:23:13
